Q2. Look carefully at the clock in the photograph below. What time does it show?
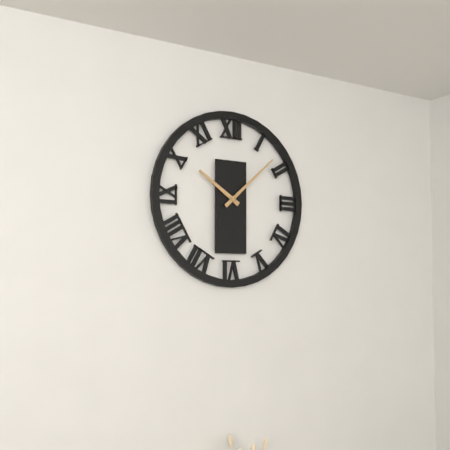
10:08
